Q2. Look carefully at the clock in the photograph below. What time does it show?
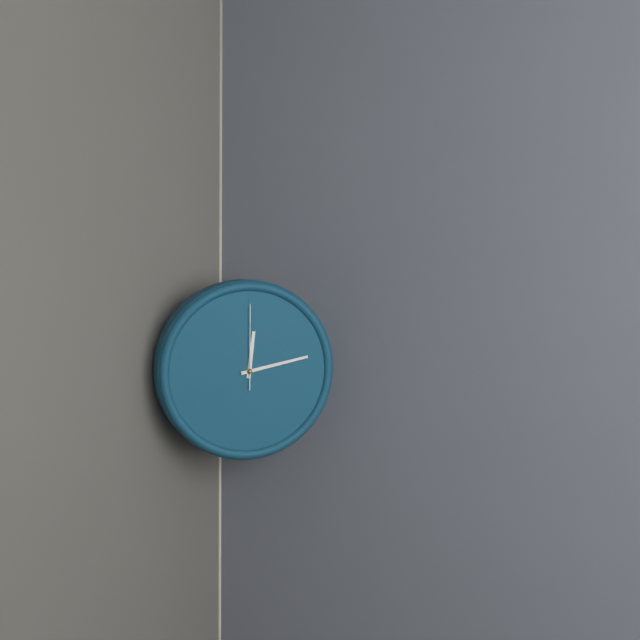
12:13:00
